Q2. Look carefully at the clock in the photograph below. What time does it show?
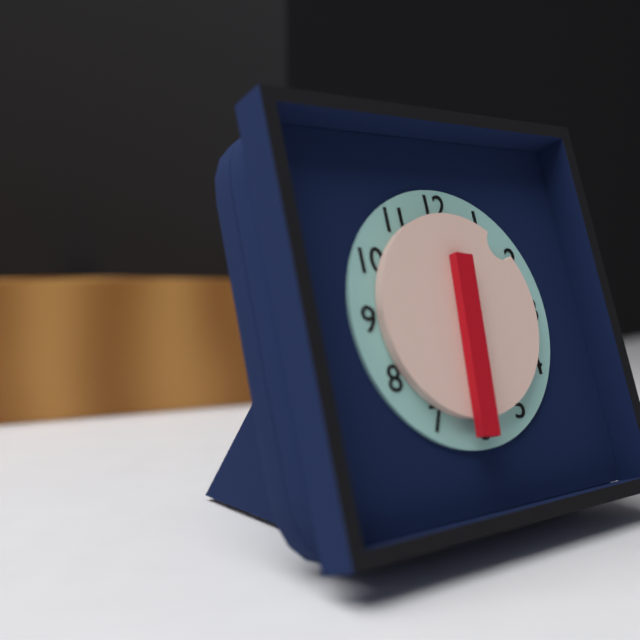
1:31
